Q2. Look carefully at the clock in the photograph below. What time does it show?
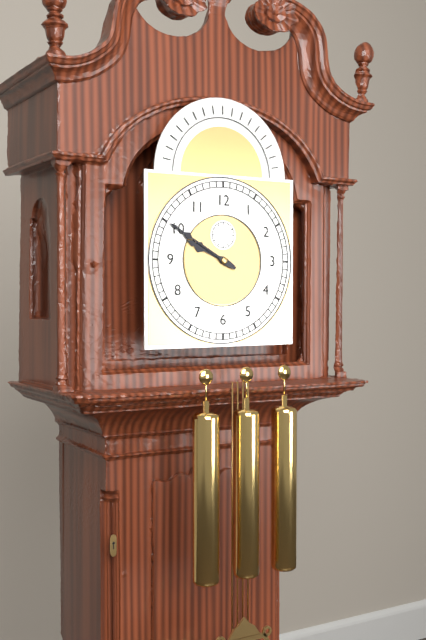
9:50
